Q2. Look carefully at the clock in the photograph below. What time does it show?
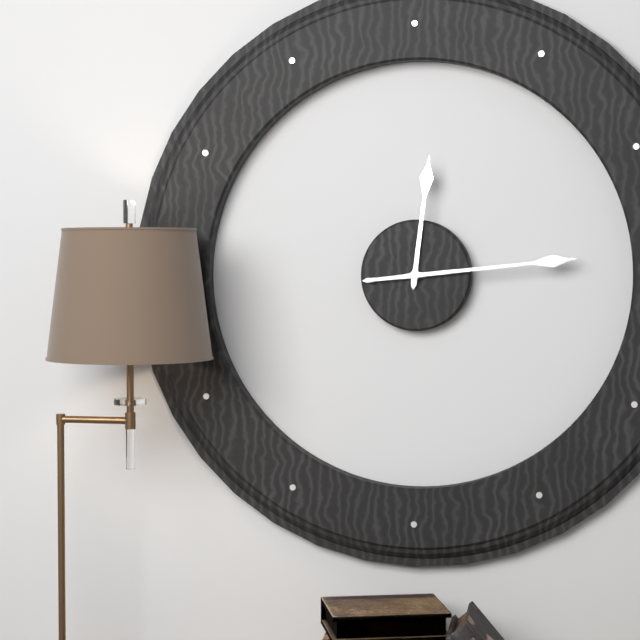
12:14
